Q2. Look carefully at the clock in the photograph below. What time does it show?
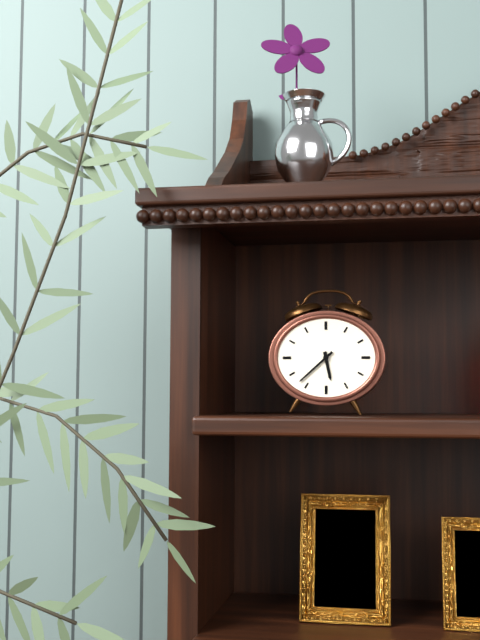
5:38
